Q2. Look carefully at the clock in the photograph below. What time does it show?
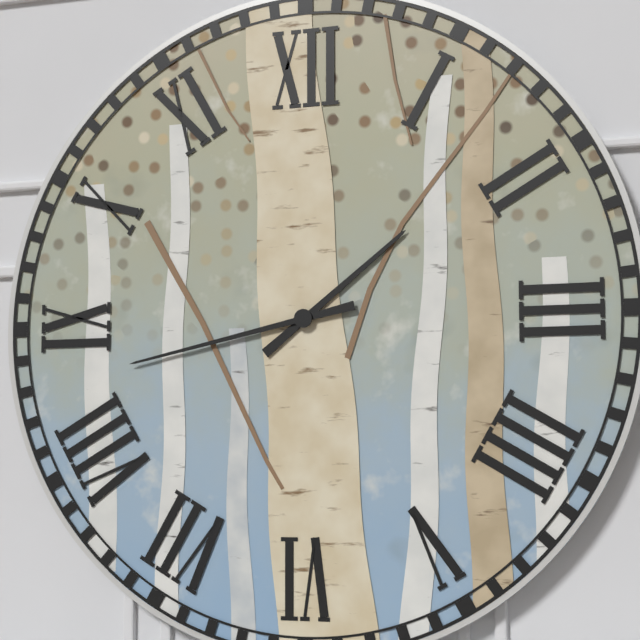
1:43
